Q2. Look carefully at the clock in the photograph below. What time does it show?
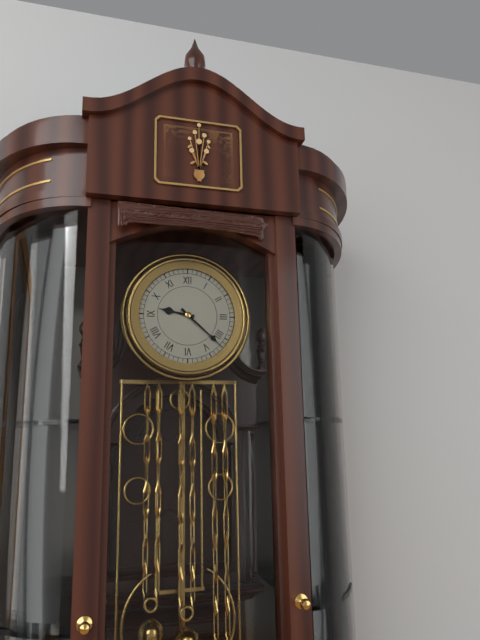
9:22
